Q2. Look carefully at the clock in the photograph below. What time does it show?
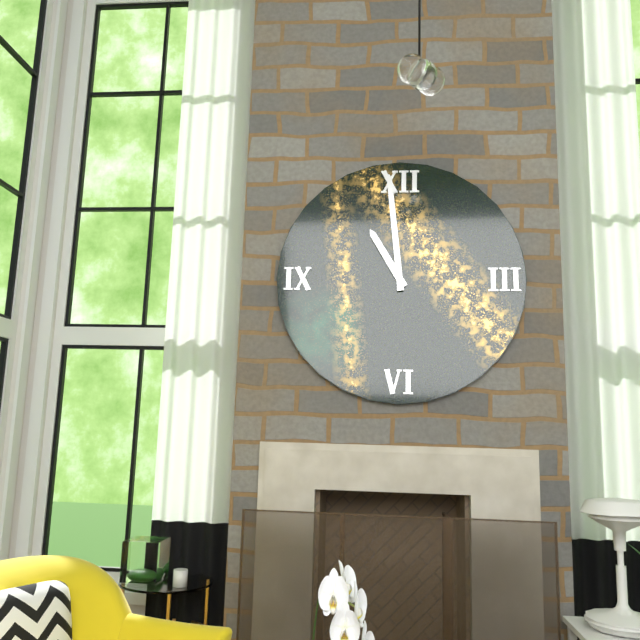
10:59
